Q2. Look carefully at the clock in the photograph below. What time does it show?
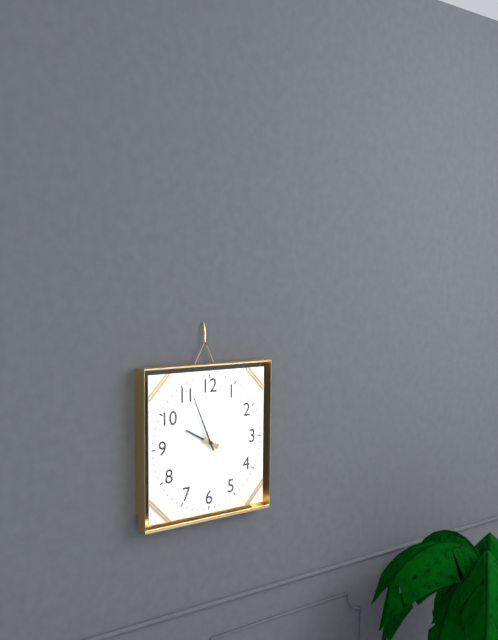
9:56
